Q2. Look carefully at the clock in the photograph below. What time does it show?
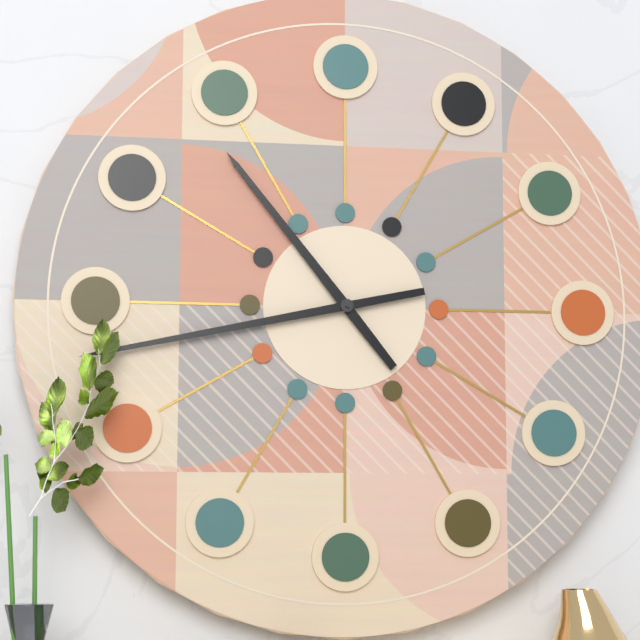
10:43
